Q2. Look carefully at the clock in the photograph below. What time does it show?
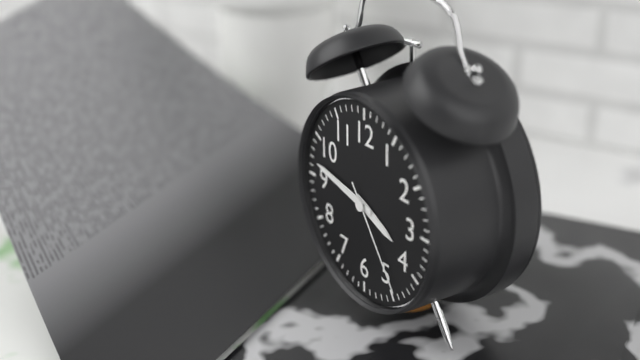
3:47:24
